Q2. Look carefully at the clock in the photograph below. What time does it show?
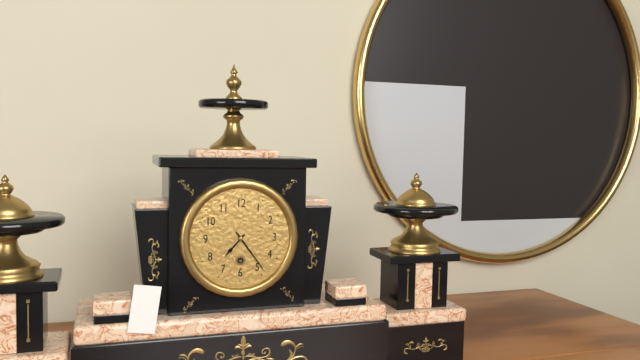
7:24
